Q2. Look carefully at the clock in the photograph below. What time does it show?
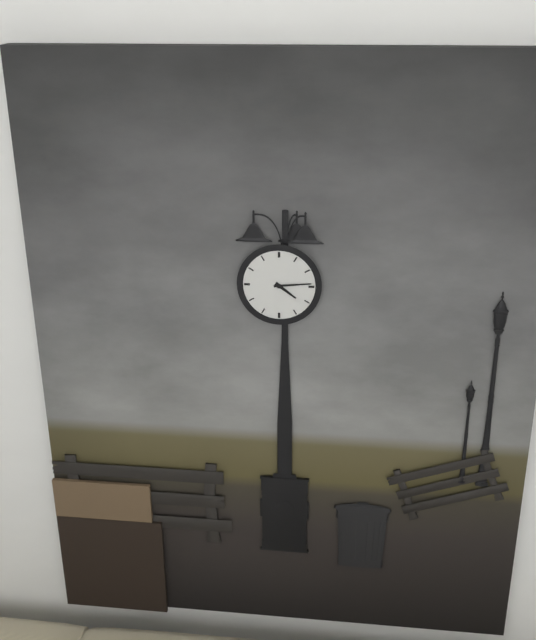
4:14
